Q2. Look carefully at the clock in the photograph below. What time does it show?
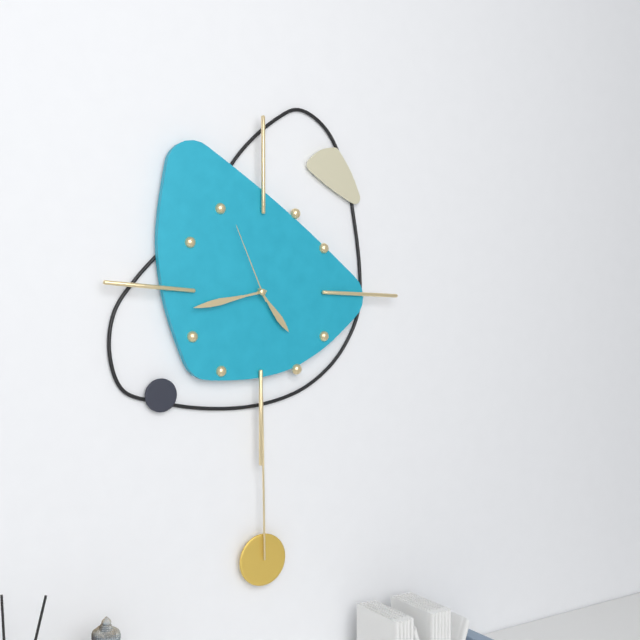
4:43:56
